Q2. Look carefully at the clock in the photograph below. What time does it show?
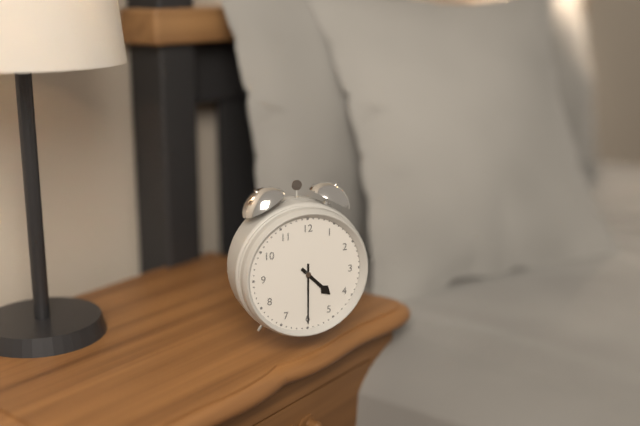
4:30
